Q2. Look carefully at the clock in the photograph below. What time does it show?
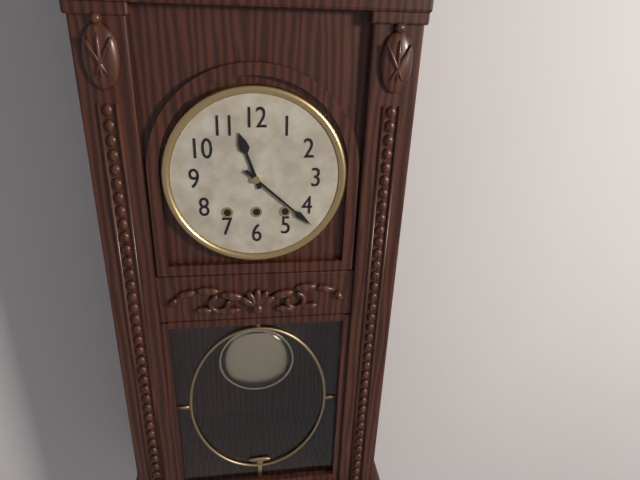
11:22
